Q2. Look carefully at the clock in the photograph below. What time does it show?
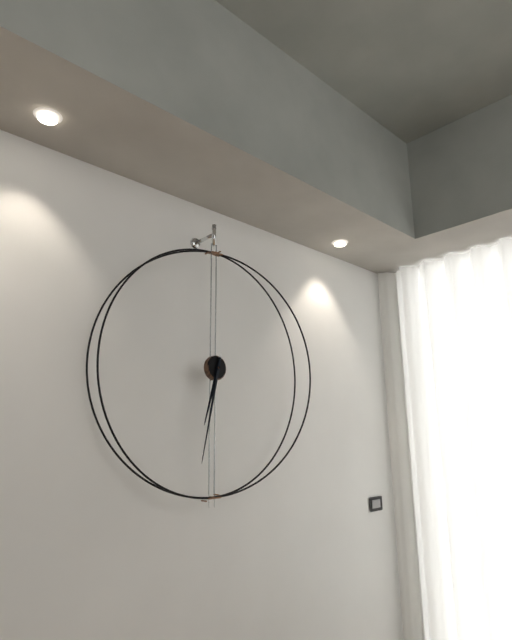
6:32
